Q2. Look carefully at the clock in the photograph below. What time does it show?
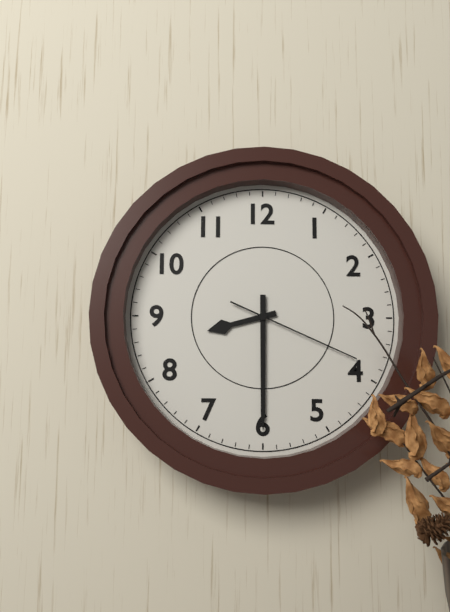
8:30:19
